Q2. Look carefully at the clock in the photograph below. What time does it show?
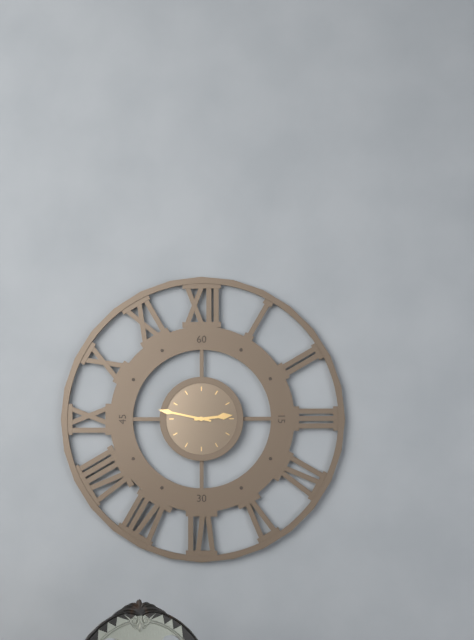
2:47
